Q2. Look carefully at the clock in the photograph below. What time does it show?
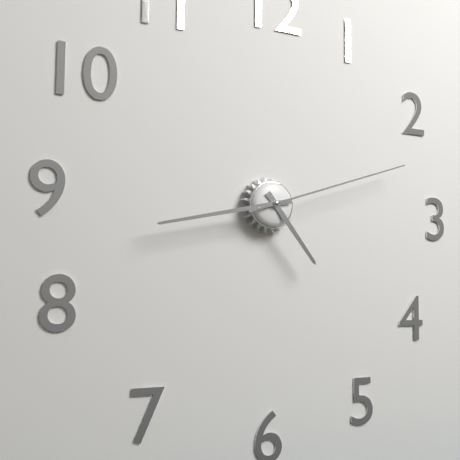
4:43:12
